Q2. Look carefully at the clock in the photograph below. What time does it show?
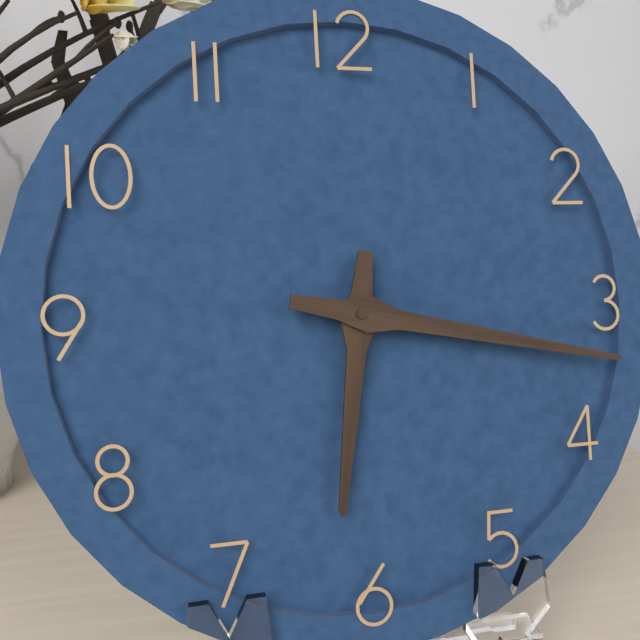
6:17
